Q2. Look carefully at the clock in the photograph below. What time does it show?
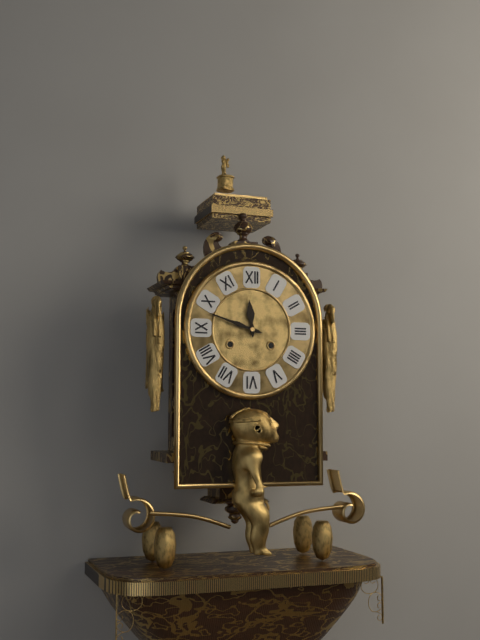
11:48
